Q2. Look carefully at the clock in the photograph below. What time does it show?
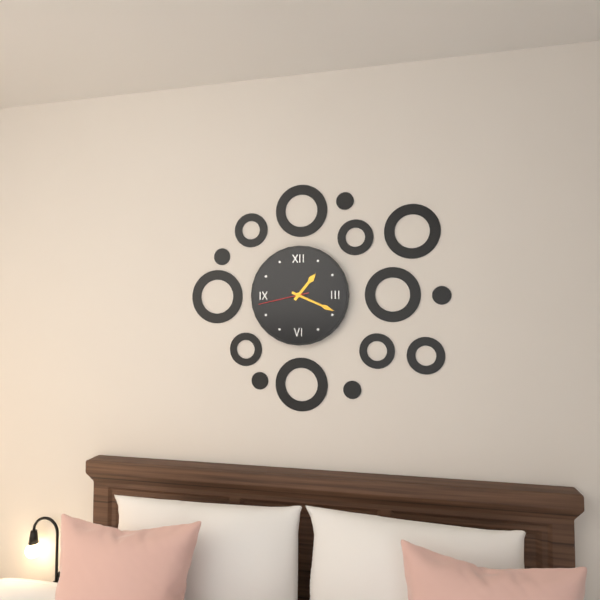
1:19:43
